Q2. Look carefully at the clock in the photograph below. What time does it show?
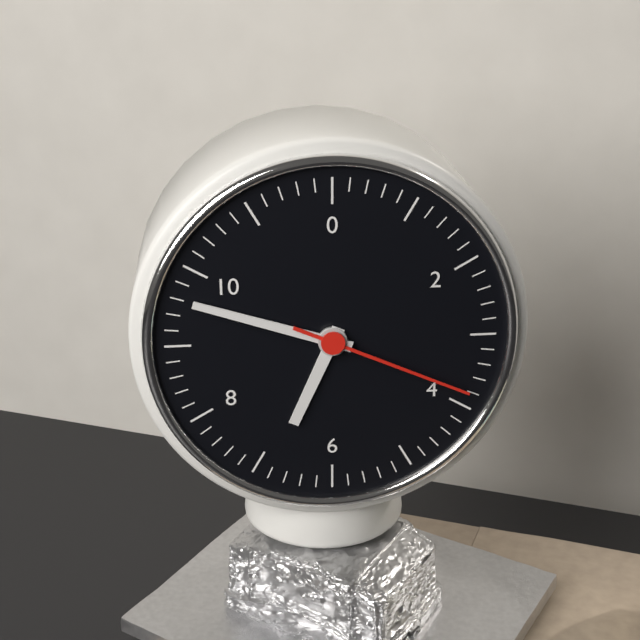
6:48:19
